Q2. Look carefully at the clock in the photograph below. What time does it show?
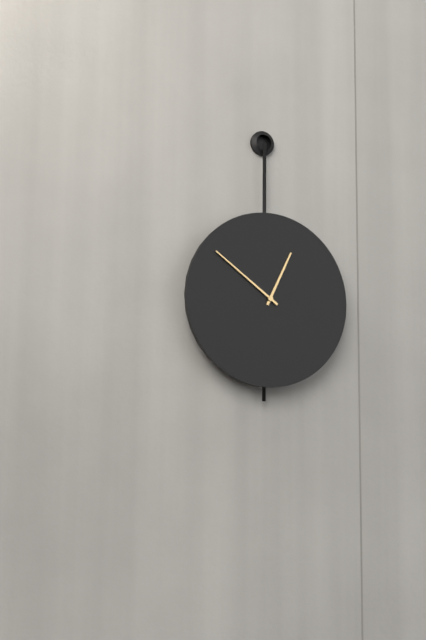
12:51
